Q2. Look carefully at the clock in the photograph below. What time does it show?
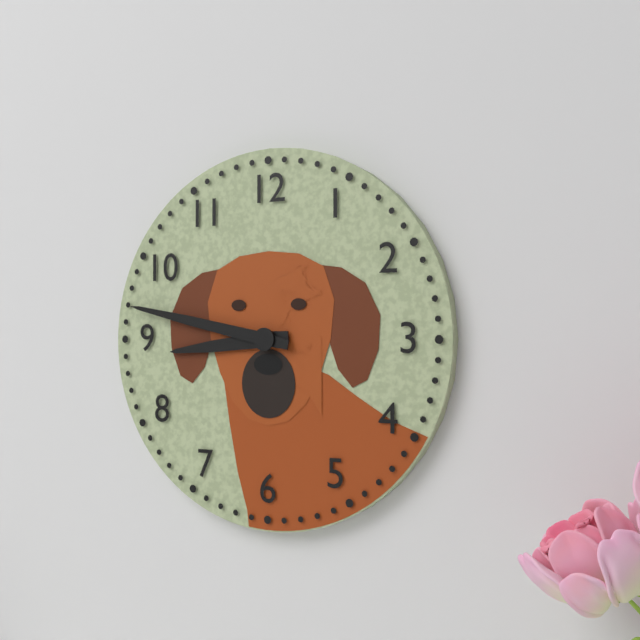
8:47
